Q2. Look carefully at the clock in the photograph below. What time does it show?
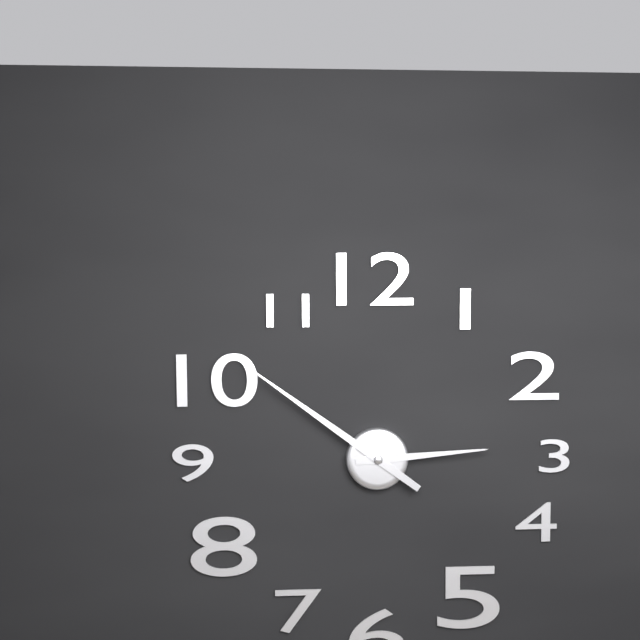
2:51
